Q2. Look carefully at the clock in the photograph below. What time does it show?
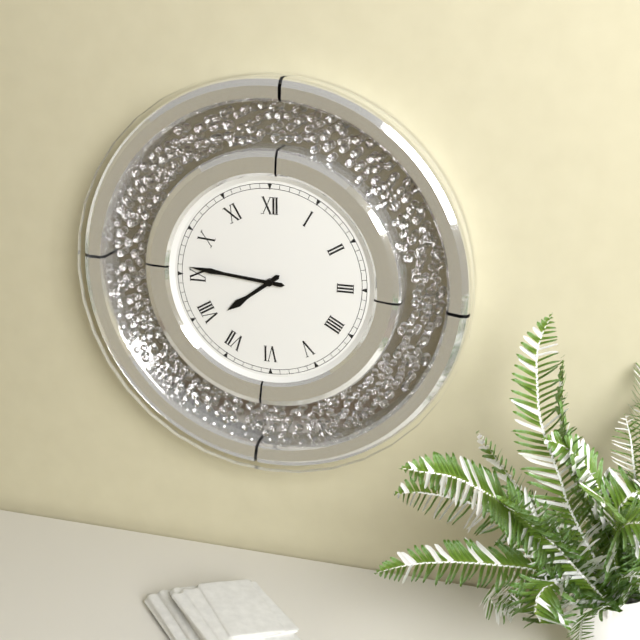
7:46
